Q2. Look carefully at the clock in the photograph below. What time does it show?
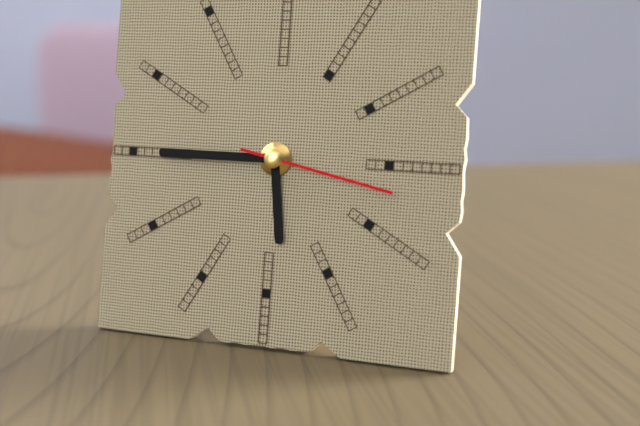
5:45:17
